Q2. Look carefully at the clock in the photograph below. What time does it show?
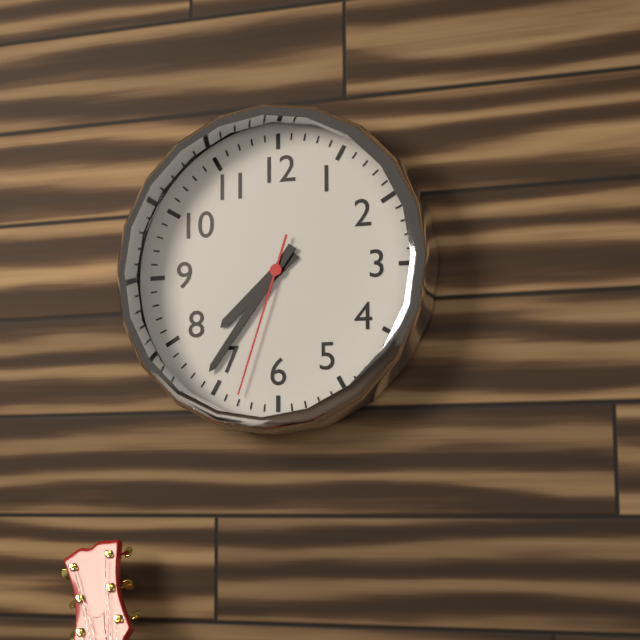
7:36:33
